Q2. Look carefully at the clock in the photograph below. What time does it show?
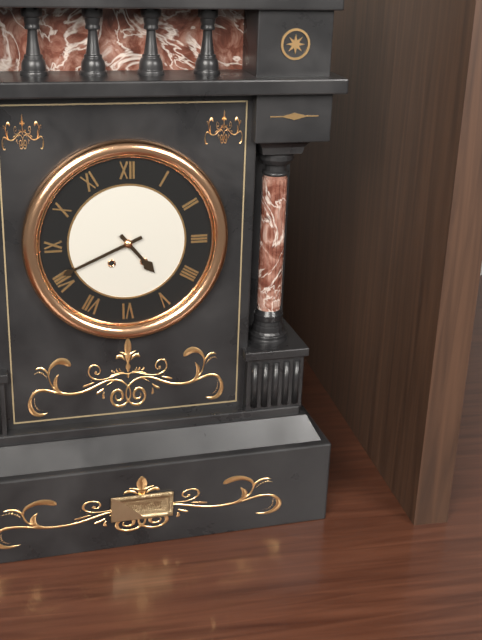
4:41
